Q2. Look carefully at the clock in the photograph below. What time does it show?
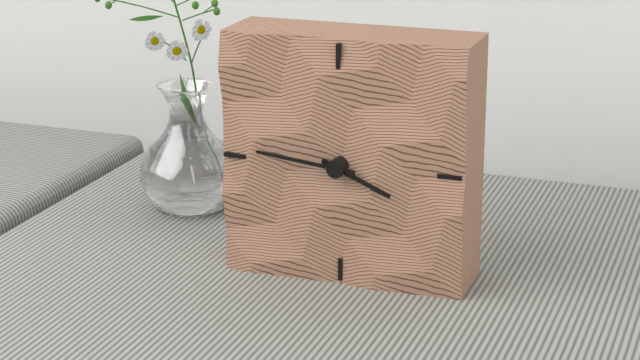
3:46
